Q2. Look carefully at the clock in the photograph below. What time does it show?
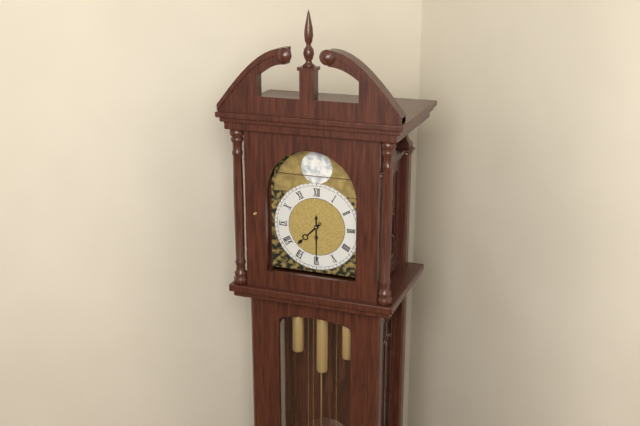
7:30
